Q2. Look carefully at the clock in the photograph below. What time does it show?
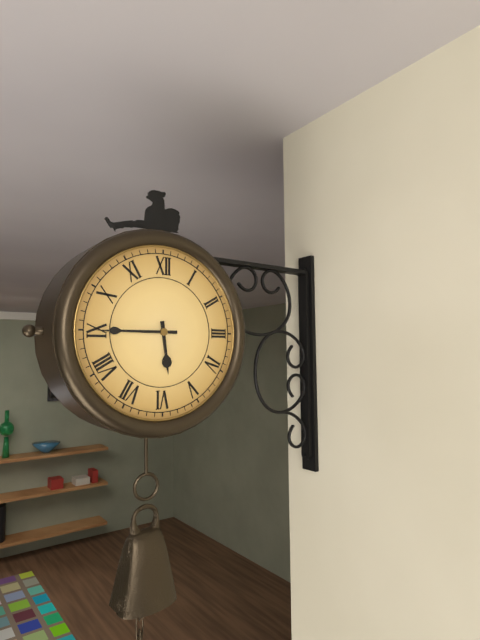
5:45
